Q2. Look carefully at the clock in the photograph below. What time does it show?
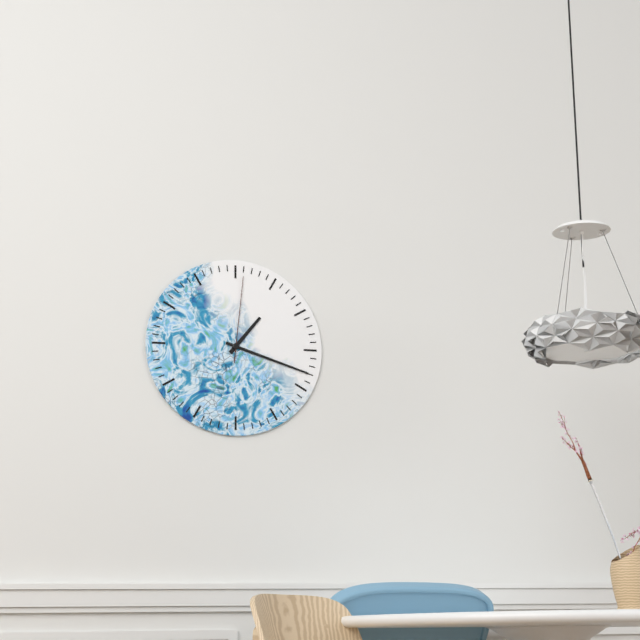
1:18:01
